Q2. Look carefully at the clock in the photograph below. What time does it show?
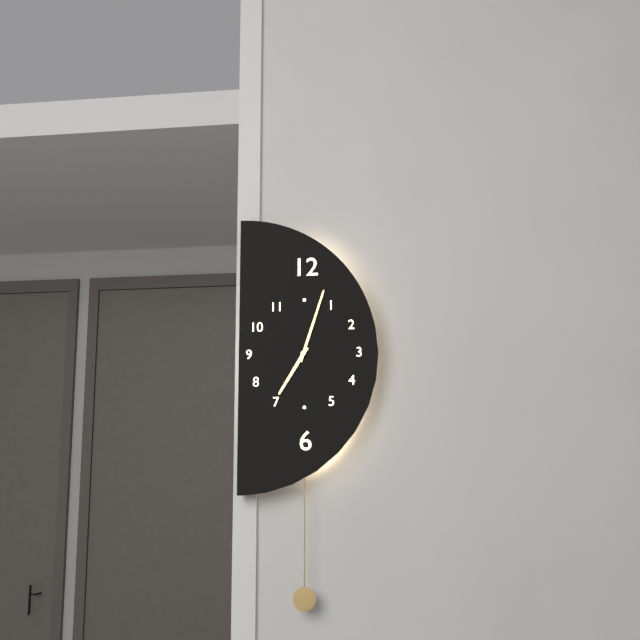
7:03
